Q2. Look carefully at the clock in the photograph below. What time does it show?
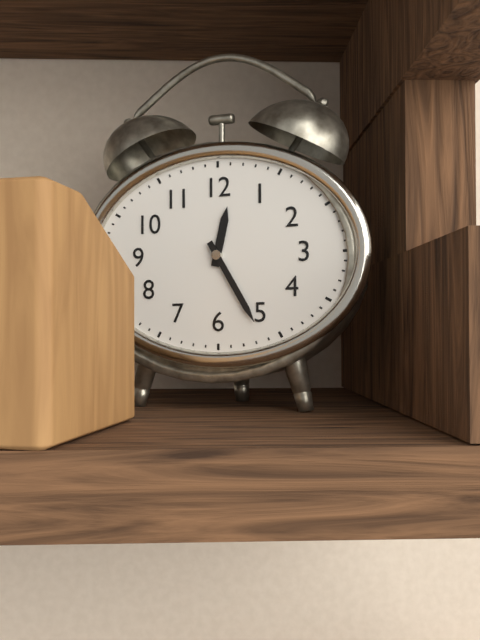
12:25
